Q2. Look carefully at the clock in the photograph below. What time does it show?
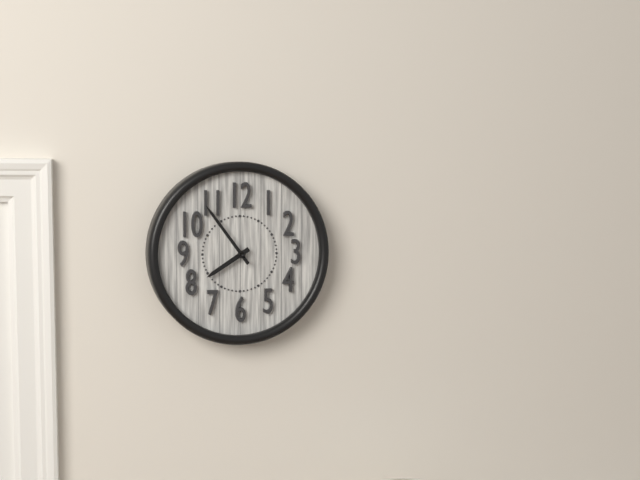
7:54
